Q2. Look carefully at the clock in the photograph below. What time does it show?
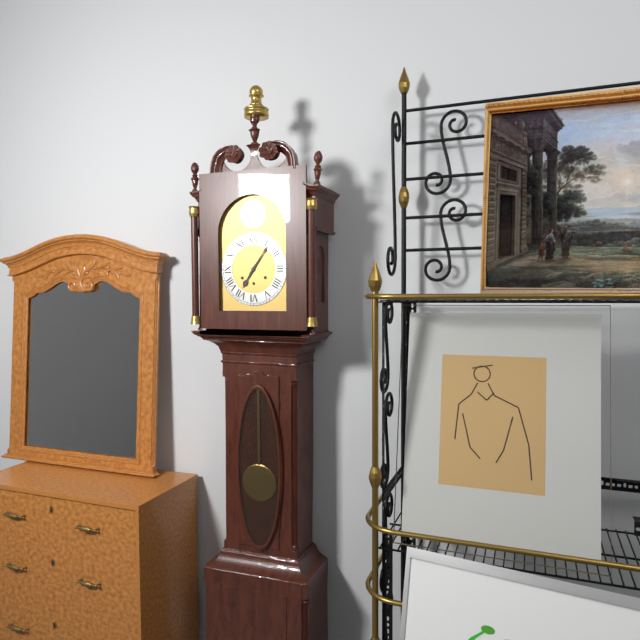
7:06
